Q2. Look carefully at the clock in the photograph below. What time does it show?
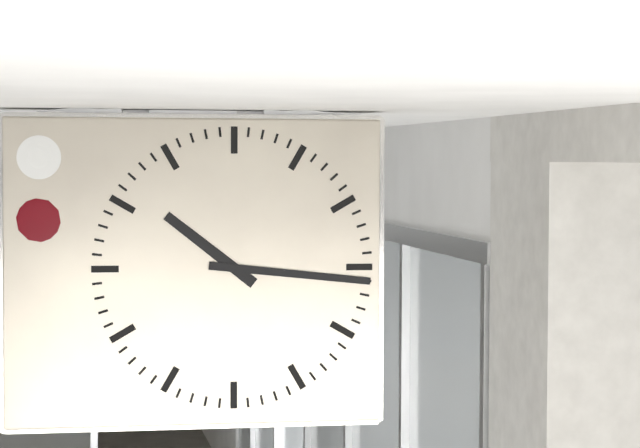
10:16
